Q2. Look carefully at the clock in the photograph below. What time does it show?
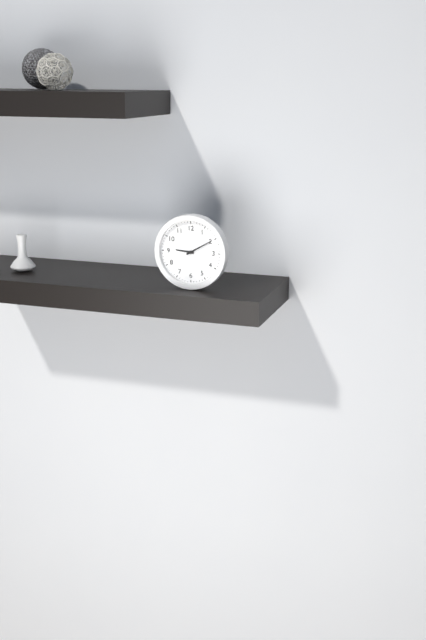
9:10
